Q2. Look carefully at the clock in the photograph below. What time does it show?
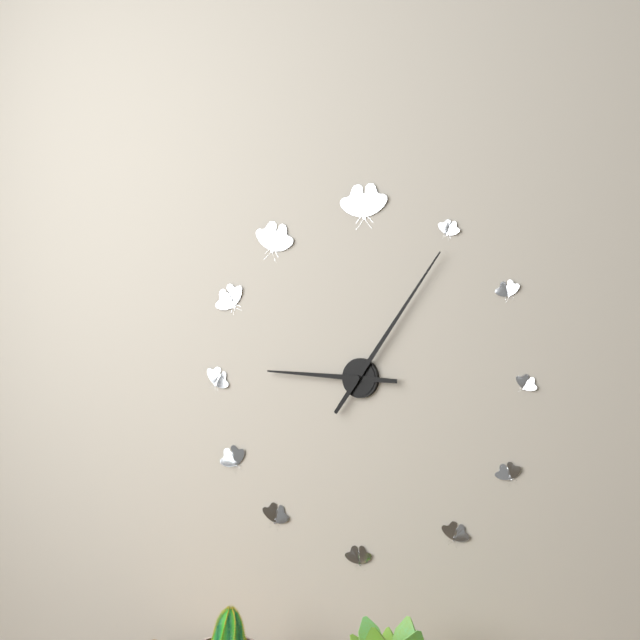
9:06
